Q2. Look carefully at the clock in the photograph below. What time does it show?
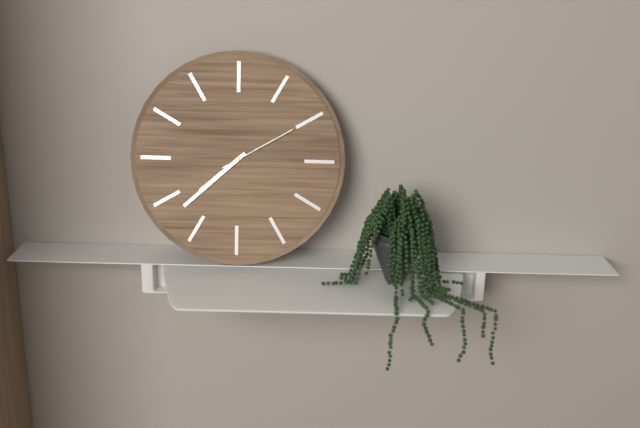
7:38:10
